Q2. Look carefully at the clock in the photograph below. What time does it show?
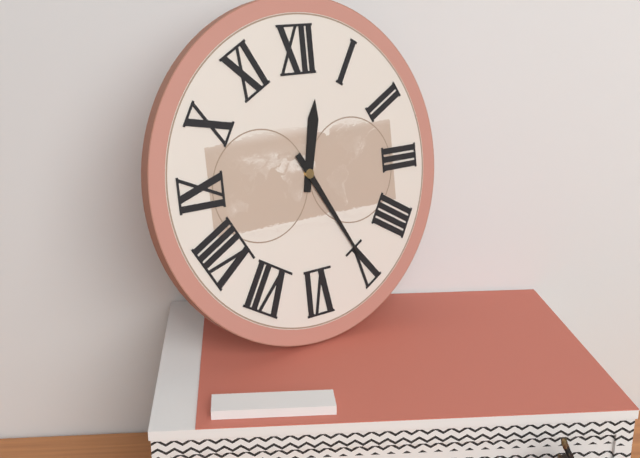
12:25
